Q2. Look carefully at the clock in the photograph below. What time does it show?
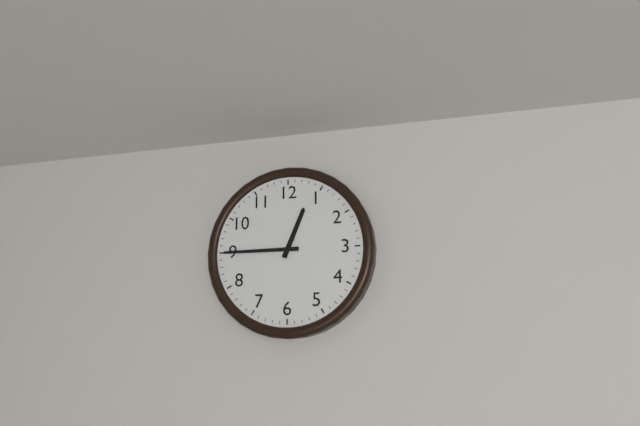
12:45
